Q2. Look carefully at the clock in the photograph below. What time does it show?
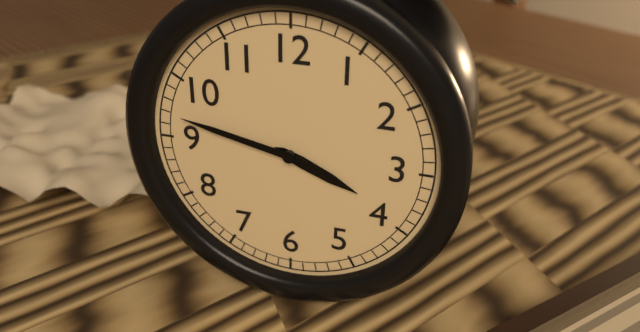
3:47
